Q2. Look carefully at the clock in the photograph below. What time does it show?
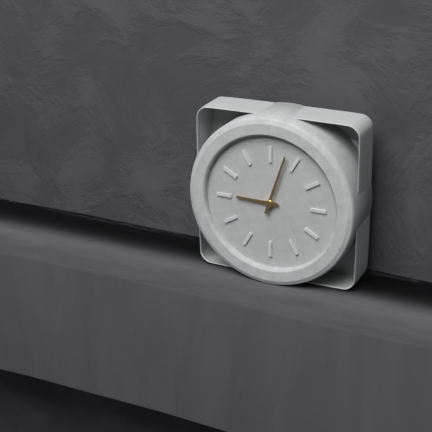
9:03
